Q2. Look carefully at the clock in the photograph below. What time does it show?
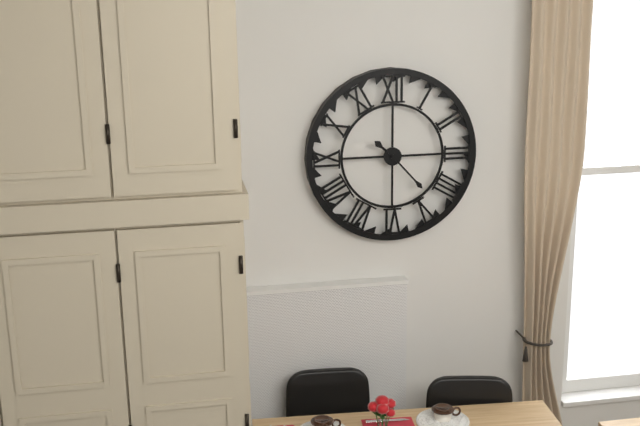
10:23
